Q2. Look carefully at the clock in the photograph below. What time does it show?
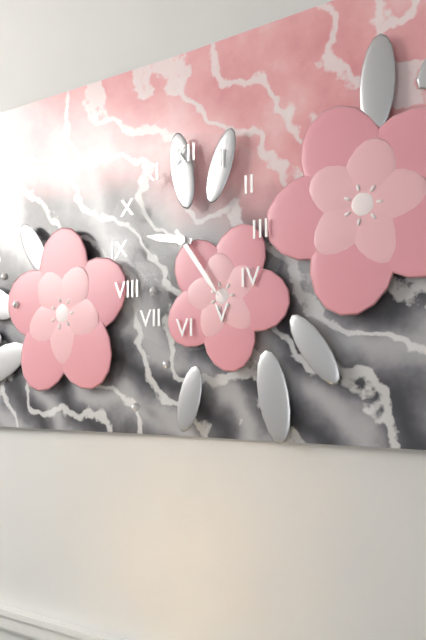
9:24
